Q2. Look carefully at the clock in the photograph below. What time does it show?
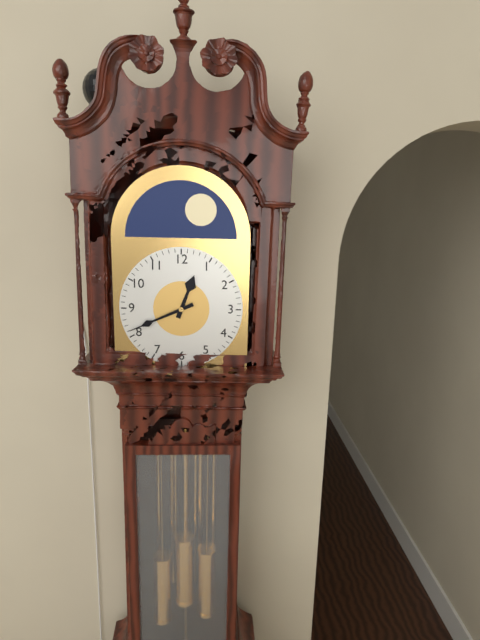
12:41
